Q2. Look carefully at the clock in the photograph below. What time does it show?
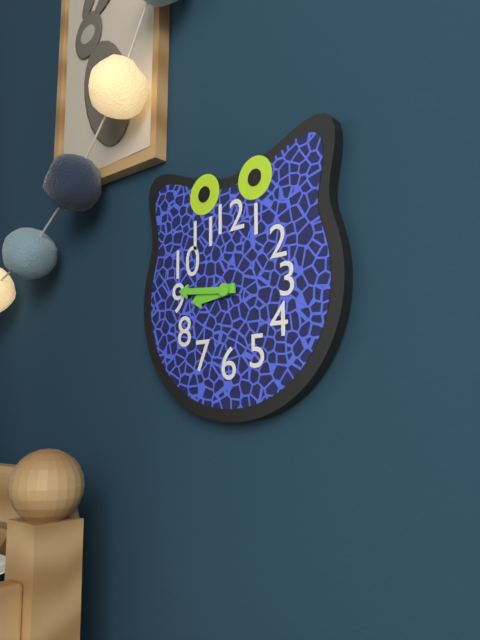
8:46
